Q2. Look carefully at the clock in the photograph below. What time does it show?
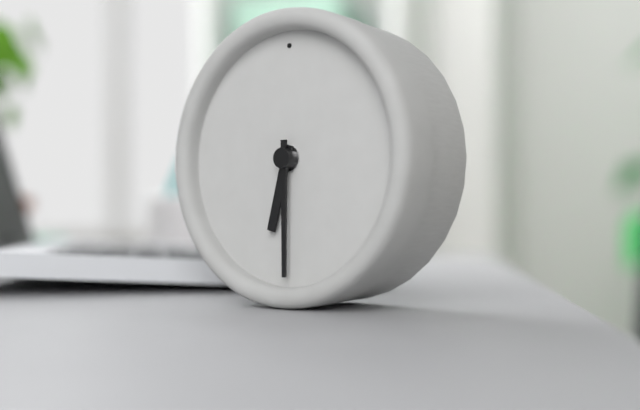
6:30
